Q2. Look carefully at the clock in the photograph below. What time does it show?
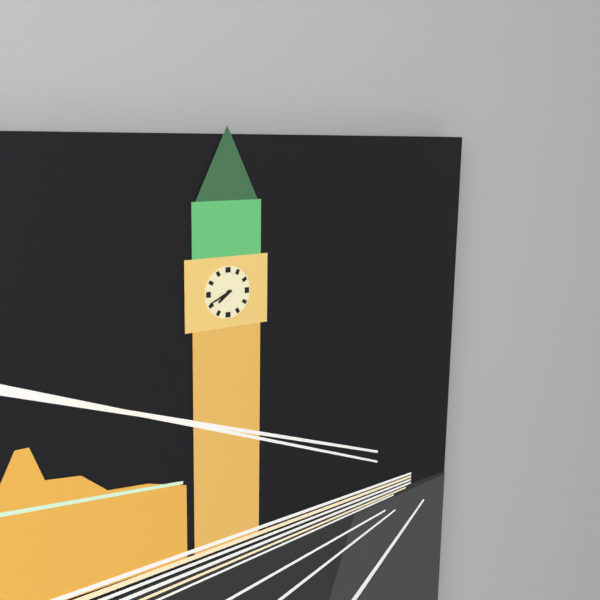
7:41
